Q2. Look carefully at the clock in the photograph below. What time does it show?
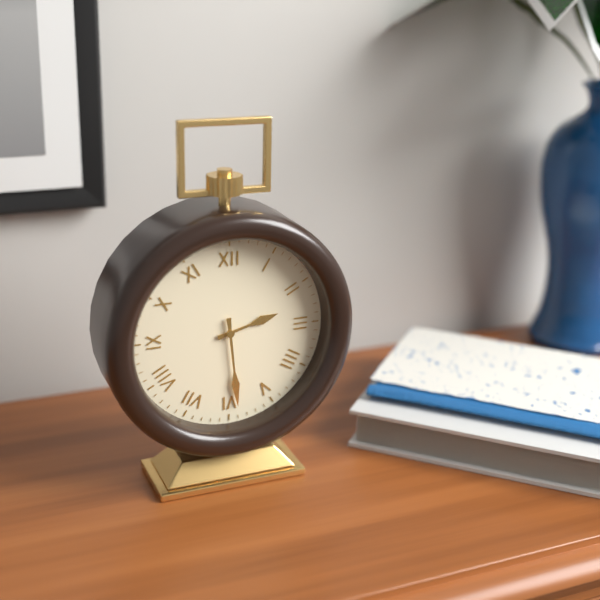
2:29
